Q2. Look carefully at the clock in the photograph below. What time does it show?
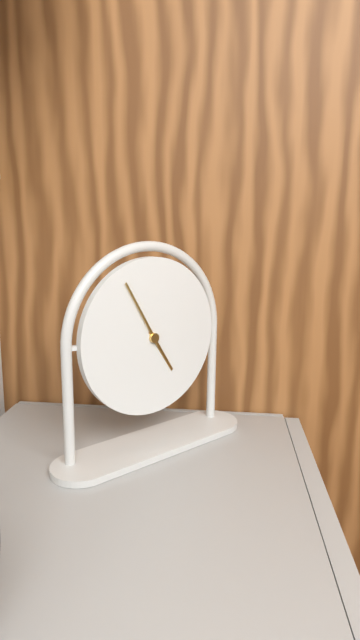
4:55
